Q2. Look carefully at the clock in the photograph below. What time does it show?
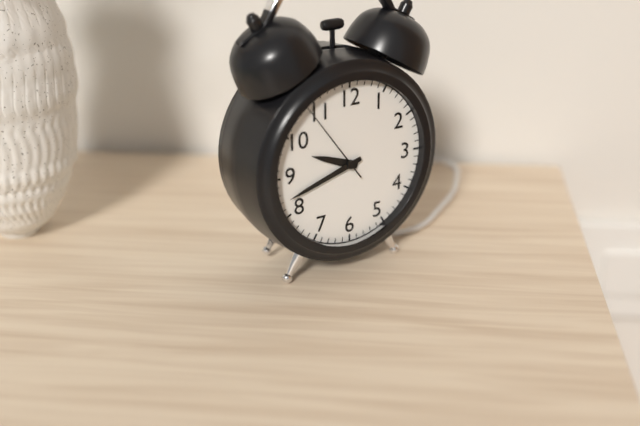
9:42:54
